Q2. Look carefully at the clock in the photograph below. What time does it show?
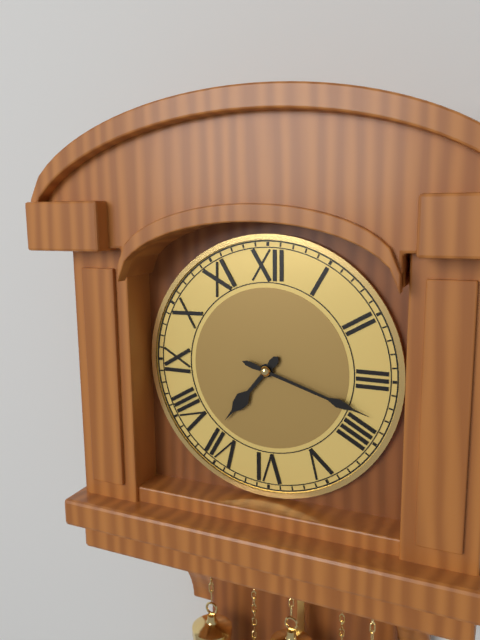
7:18
